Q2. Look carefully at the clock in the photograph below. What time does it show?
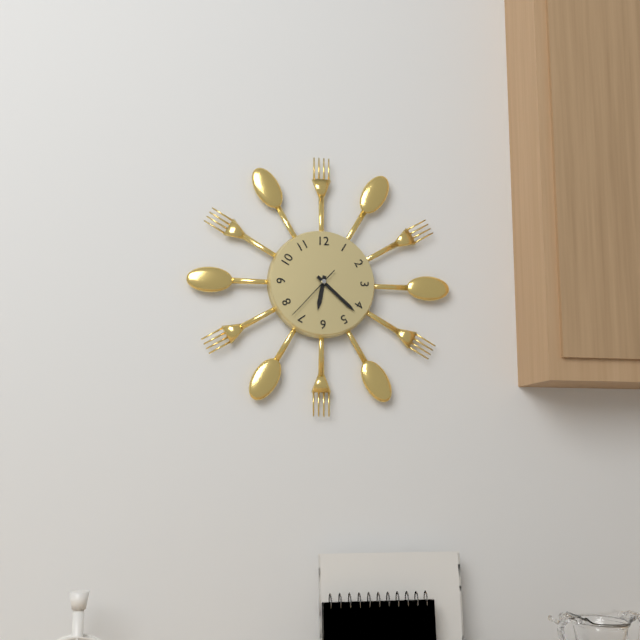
6:22:37
